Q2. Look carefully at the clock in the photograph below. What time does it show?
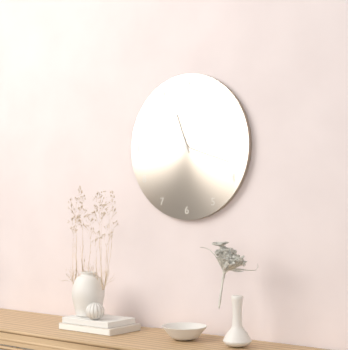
11:18
